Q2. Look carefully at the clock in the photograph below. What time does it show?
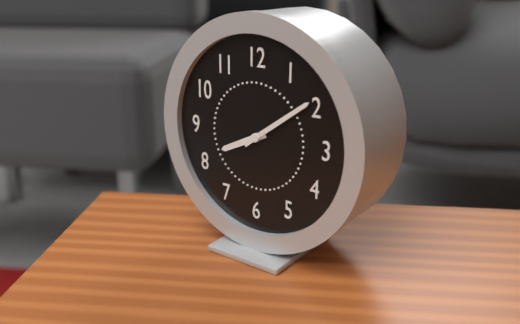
8:09
